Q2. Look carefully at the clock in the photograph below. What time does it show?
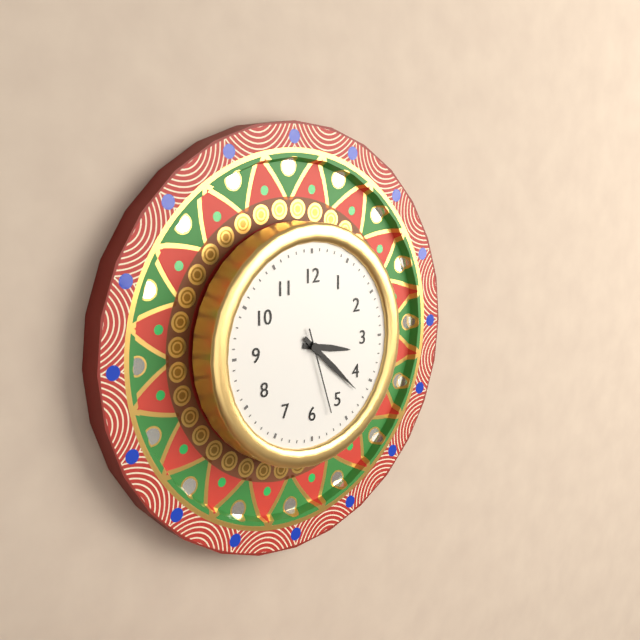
3:22:27
